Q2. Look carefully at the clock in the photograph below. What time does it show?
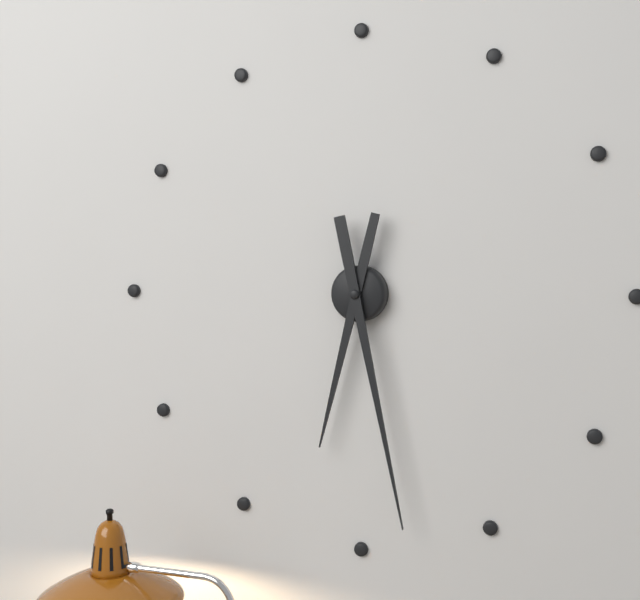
6:28
